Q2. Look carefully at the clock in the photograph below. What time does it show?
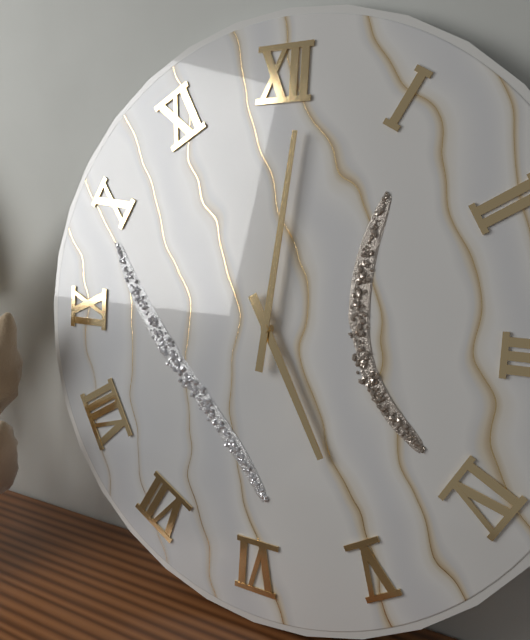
5:01
